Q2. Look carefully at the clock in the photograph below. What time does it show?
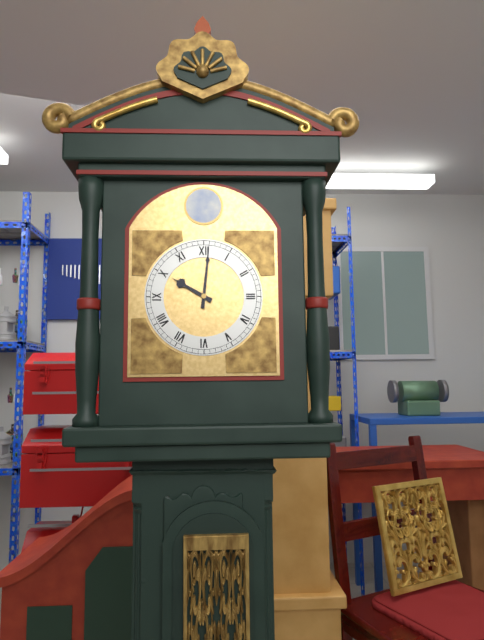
10:01
